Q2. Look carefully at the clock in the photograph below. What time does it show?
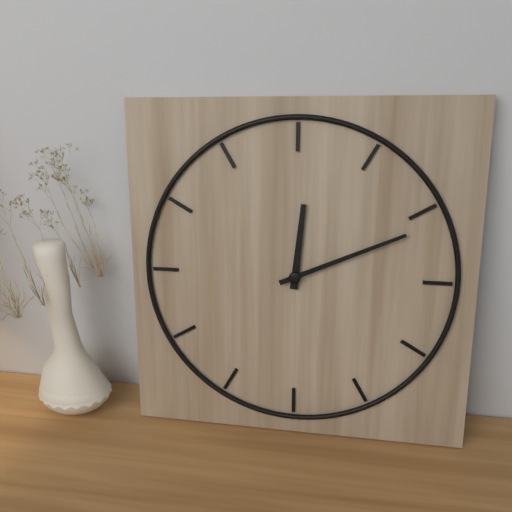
12:11
